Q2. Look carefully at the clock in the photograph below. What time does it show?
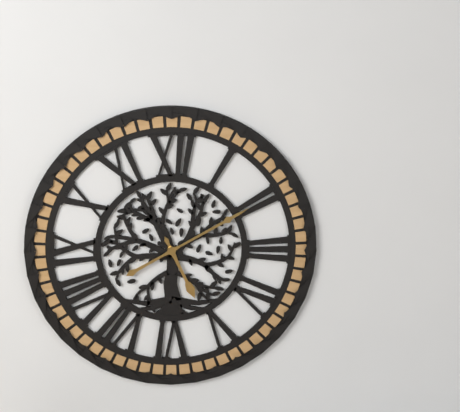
5:10
